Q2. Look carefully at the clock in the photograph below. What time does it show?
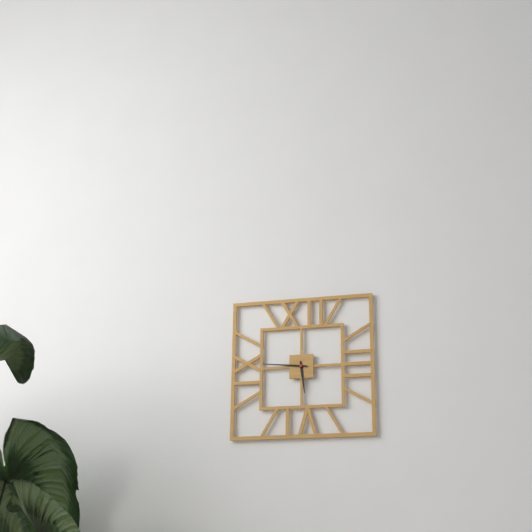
5:46
